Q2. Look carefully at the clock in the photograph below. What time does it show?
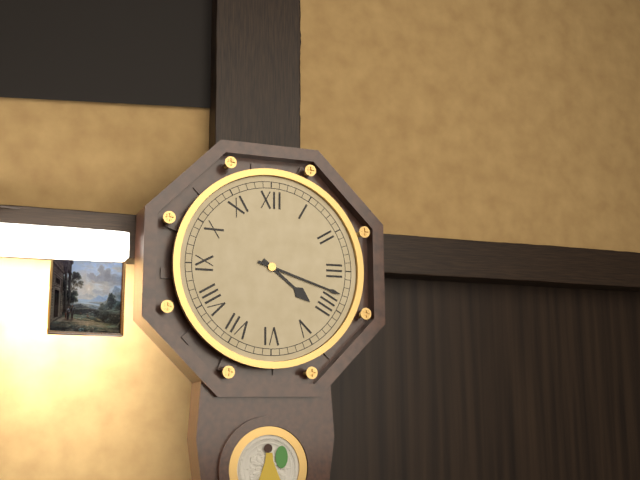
4:18
